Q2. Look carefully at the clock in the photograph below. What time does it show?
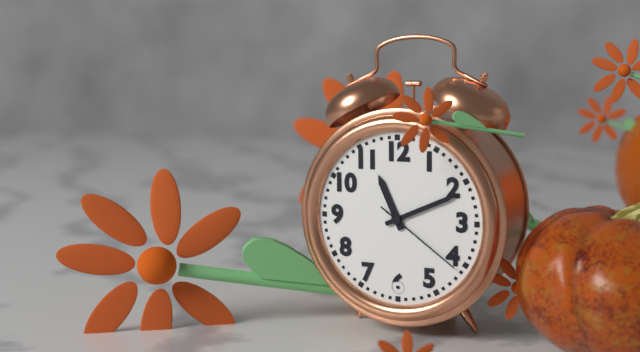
11:11:21
